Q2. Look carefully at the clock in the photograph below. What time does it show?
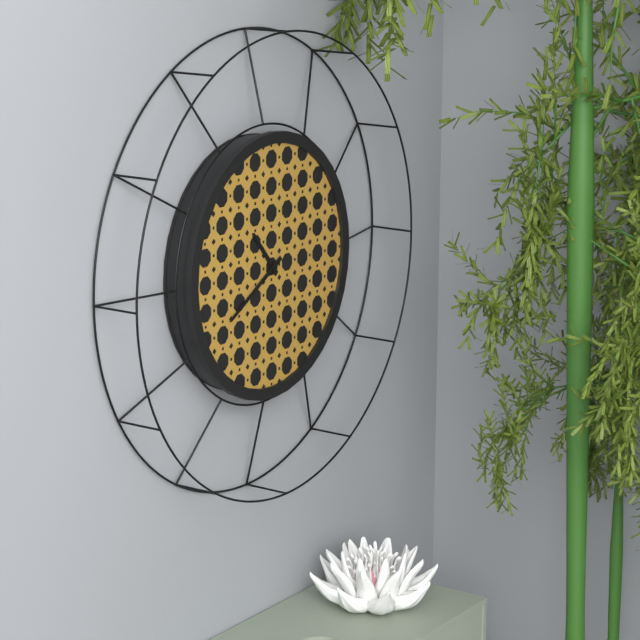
10:40
